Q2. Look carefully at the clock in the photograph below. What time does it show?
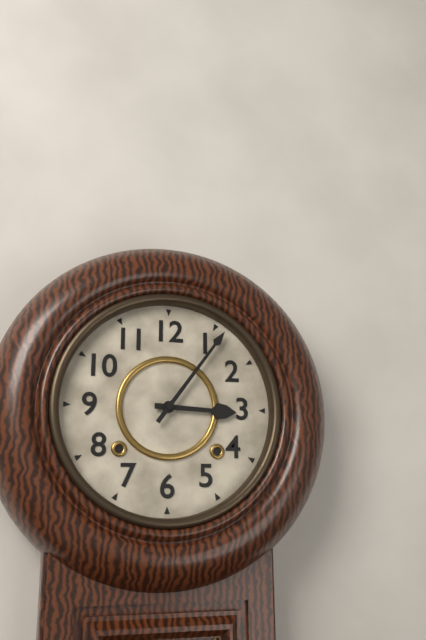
3:06
